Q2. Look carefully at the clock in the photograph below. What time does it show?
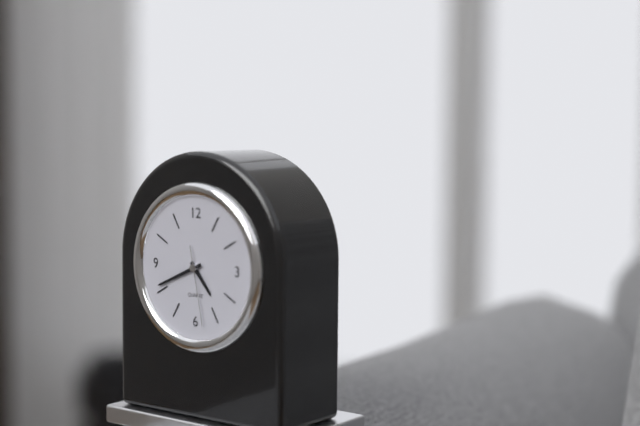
4:41:28
